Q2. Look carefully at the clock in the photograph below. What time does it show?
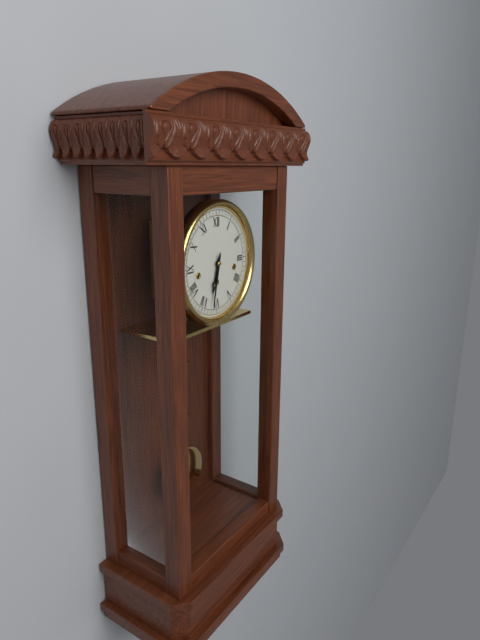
6:32
